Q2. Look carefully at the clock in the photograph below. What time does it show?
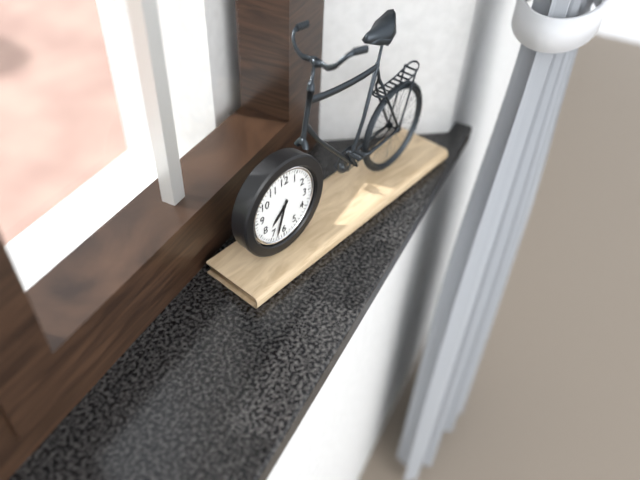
7:33
